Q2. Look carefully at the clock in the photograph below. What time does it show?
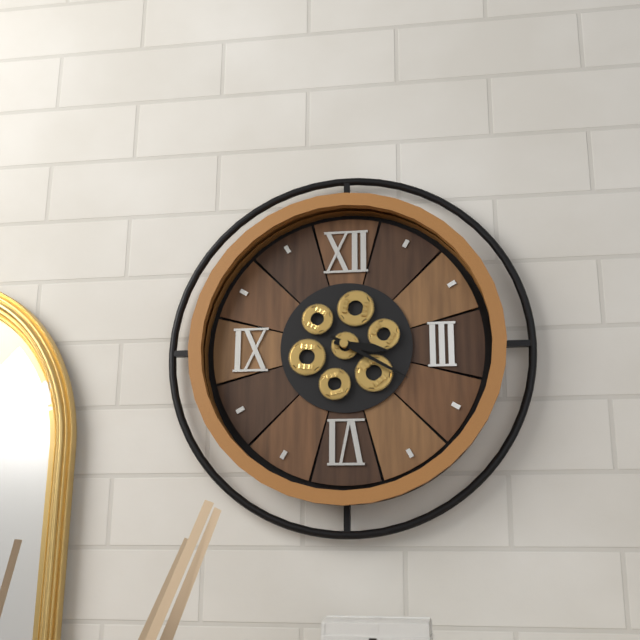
3:20
